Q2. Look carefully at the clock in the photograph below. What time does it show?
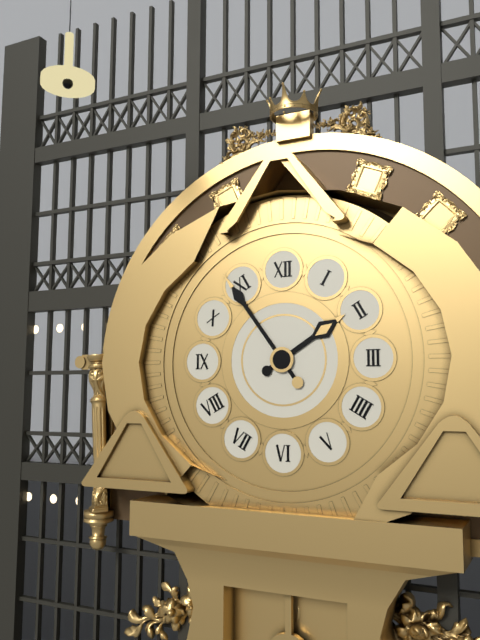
1:54
